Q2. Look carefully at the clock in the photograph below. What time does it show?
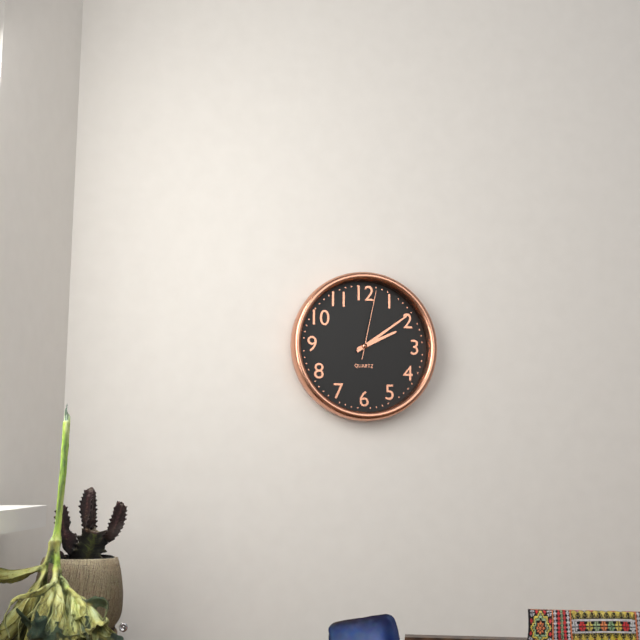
2:09:02
